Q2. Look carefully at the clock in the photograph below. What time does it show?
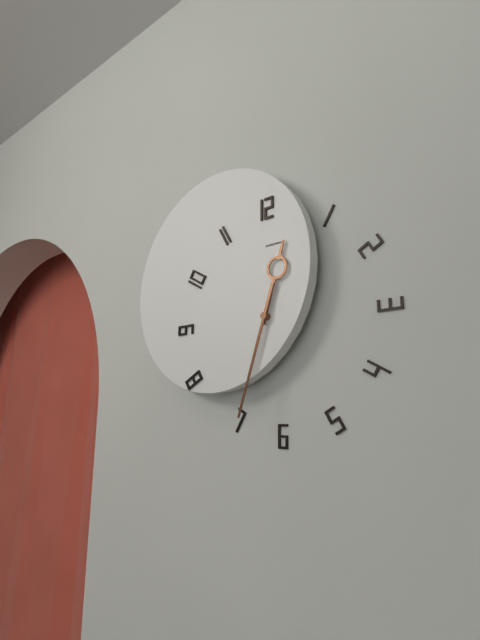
12:33
